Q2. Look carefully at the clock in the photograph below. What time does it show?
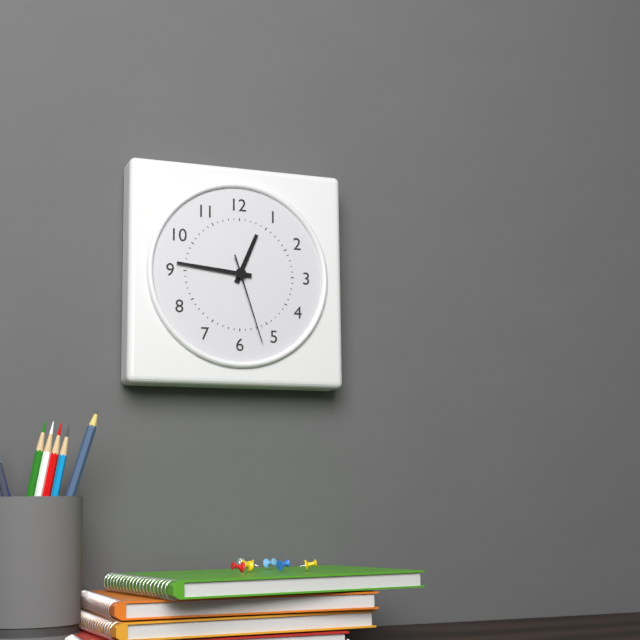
12:46:27
